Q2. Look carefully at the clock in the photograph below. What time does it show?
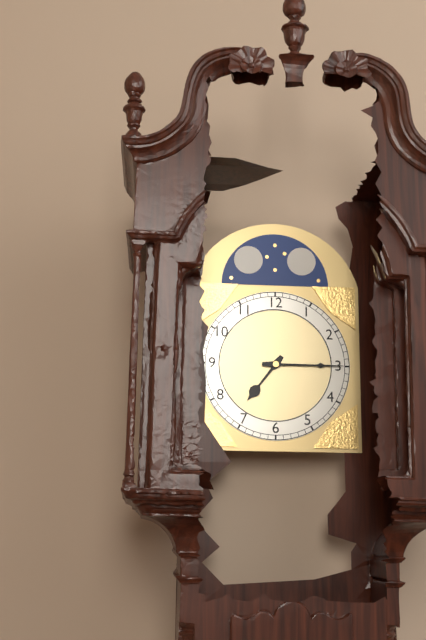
7:15
